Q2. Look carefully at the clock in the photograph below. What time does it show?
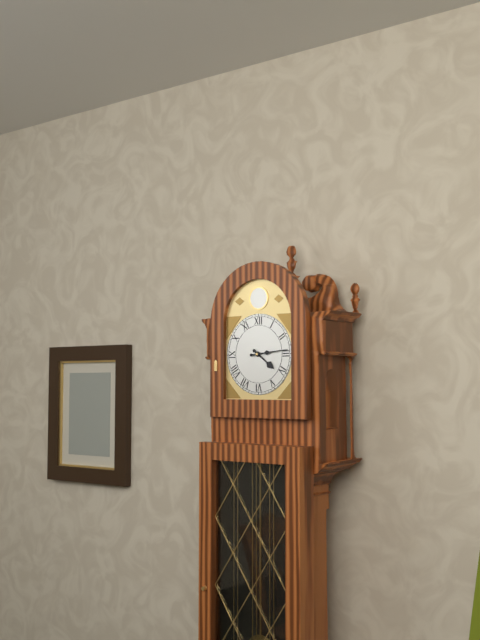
4:14
